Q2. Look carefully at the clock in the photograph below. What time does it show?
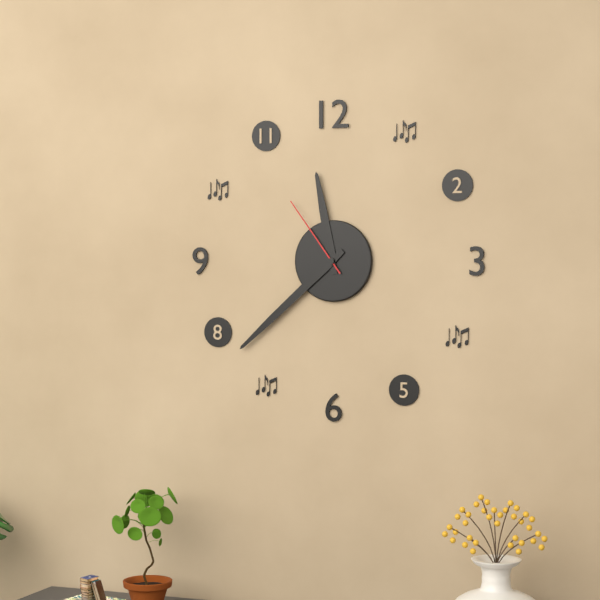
11:38:54
